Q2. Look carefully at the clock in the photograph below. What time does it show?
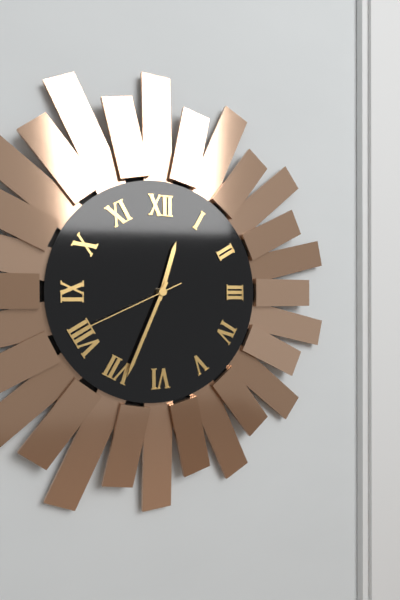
12:34:41
